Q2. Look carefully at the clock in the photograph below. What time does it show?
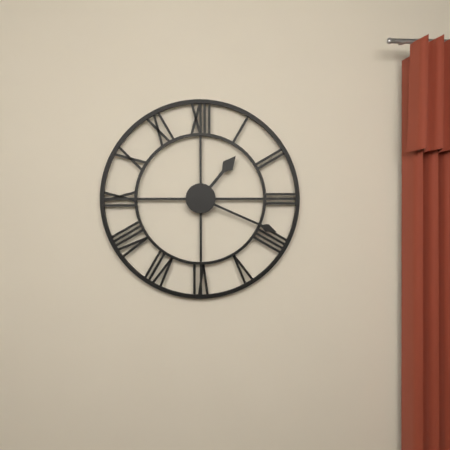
1:19
